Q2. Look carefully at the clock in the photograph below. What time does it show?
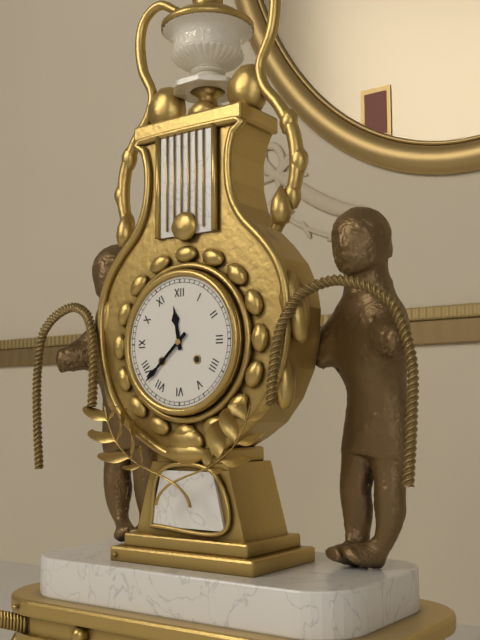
11:38
